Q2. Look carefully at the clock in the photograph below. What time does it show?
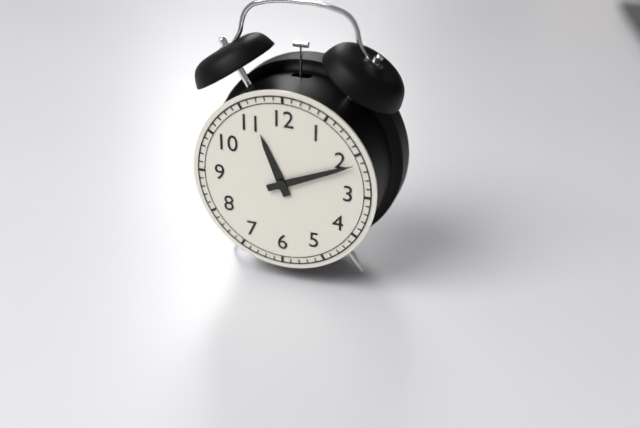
11:11
